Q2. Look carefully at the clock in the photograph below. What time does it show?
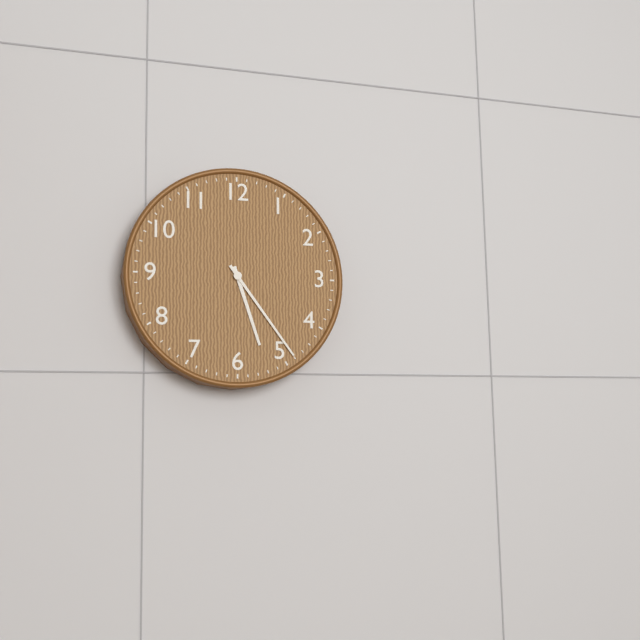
5:24
